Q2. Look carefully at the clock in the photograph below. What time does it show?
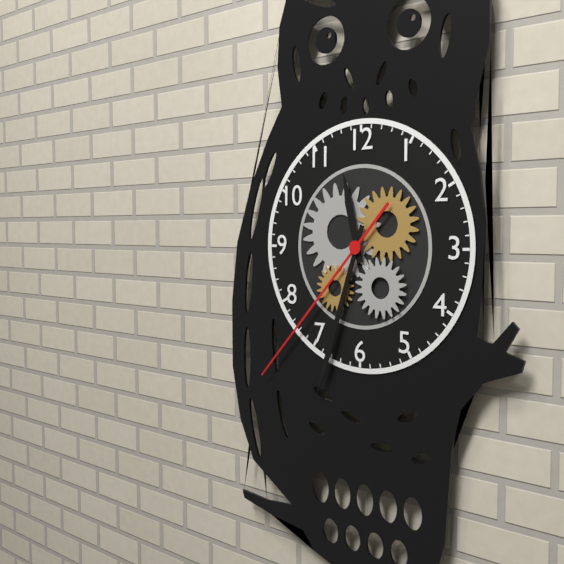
11:33:37
